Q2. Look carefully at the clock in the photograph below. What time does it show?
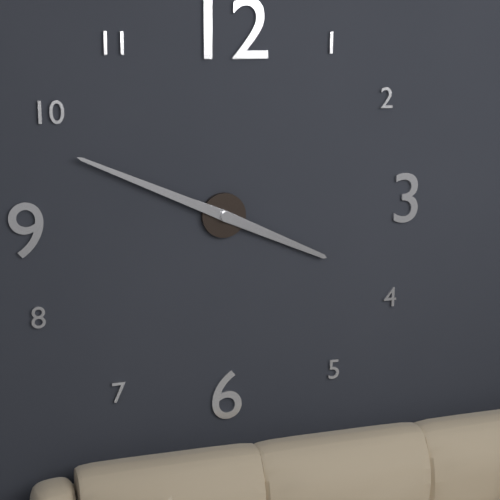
3:49
